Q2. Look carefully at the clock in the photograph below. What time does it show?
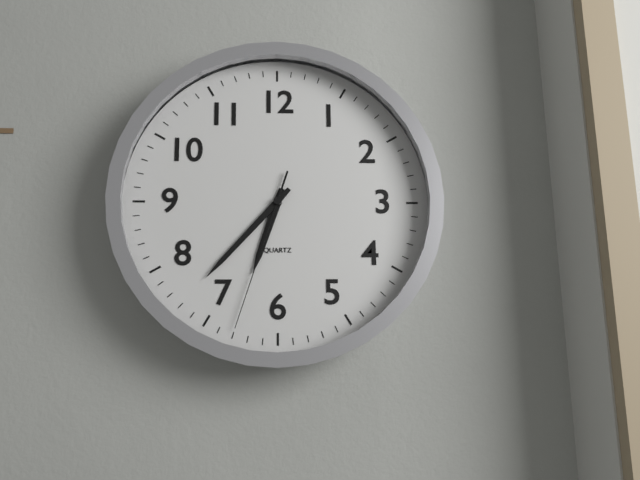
6:37:33
